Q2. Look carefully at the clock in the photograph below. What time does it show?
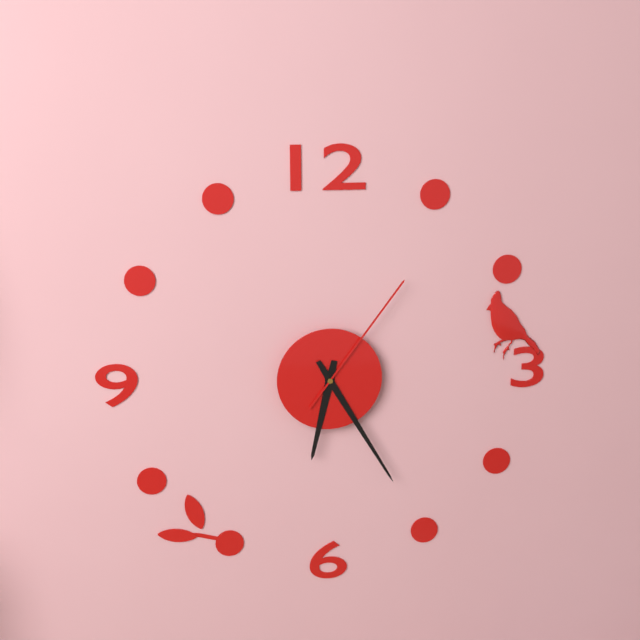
6:25:06
